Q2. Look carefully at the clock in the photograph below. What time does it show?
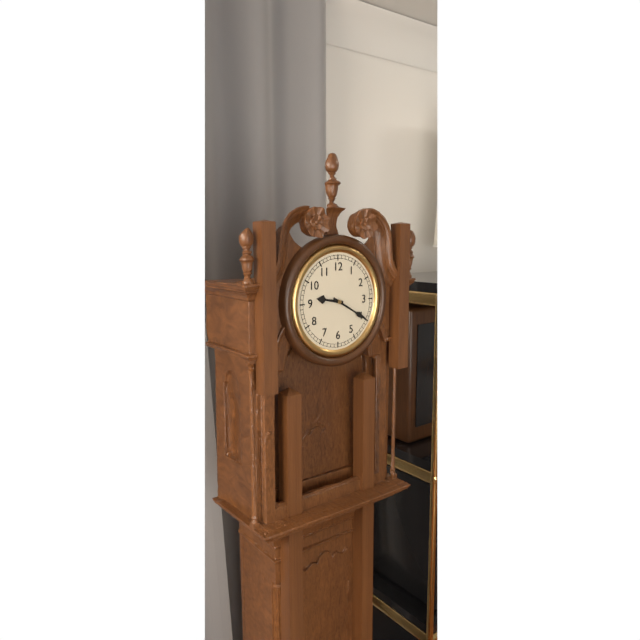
9:20
